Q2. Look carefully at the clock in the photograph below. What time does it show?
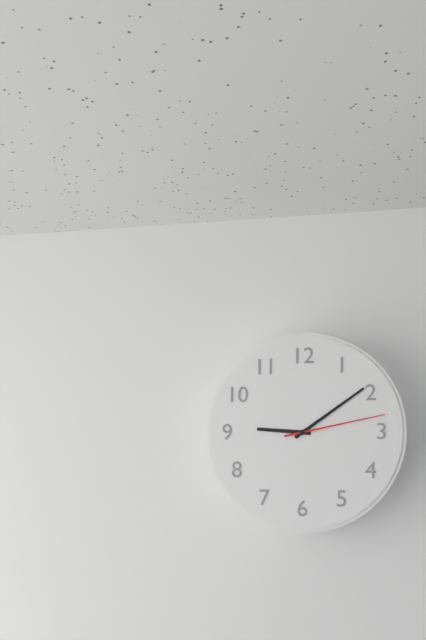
9:09:13
